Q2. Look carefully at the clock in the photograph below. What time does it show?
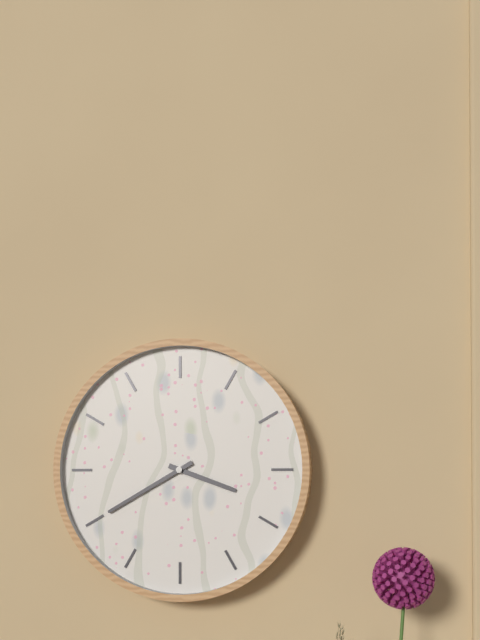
3:40
